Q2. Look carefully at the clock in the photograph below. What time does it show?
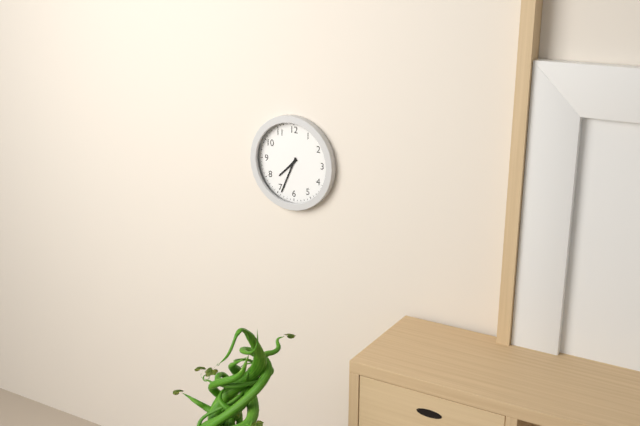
7:34
